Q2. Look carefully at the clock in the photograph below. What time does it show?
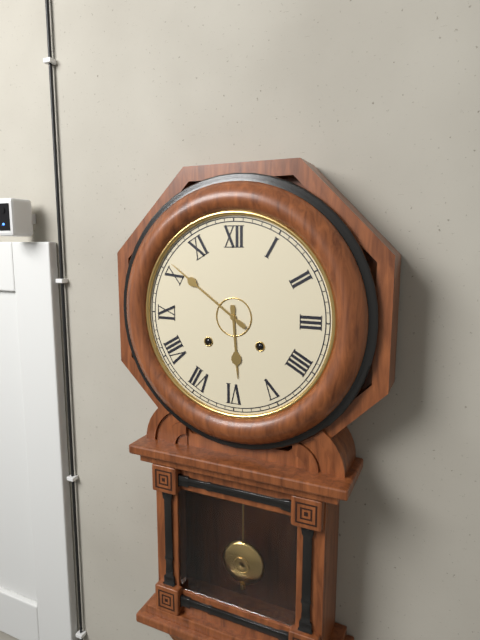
5:51
